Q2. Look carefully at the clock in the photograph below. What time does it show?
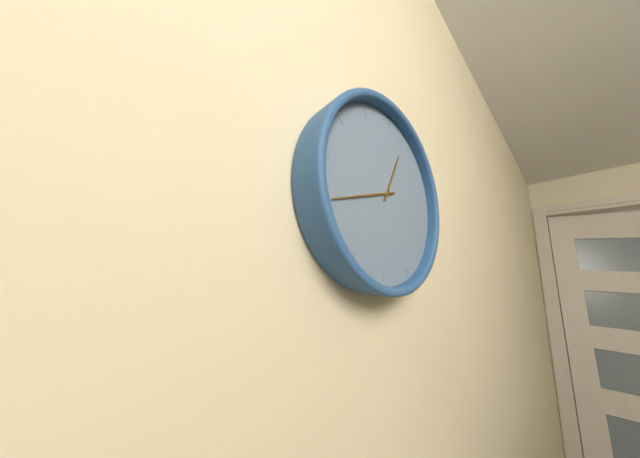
12:41
